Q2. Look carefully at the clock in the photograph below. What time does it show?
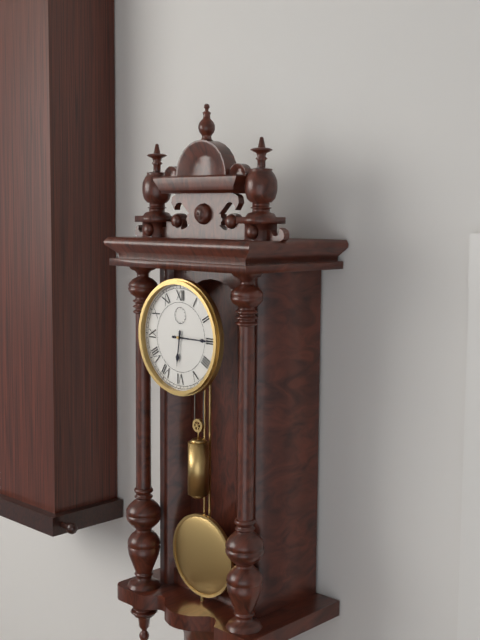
6:15
